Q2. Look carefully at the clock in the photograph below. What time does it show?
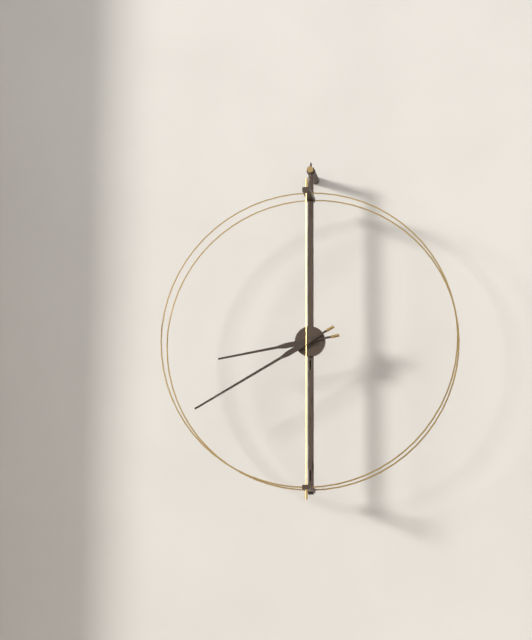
8:40
